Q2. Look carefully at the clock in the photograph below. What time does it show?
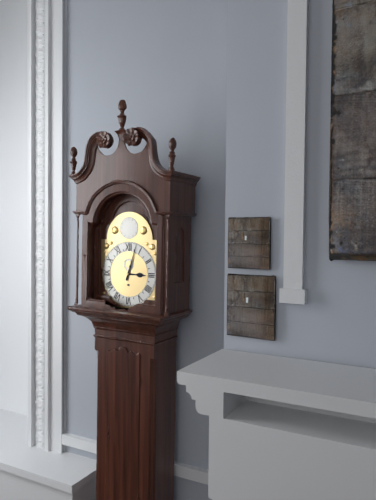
3:03
